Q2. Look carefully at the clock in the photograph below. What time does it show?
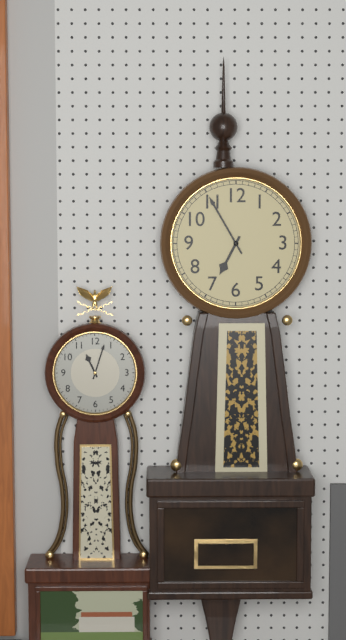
6:55
